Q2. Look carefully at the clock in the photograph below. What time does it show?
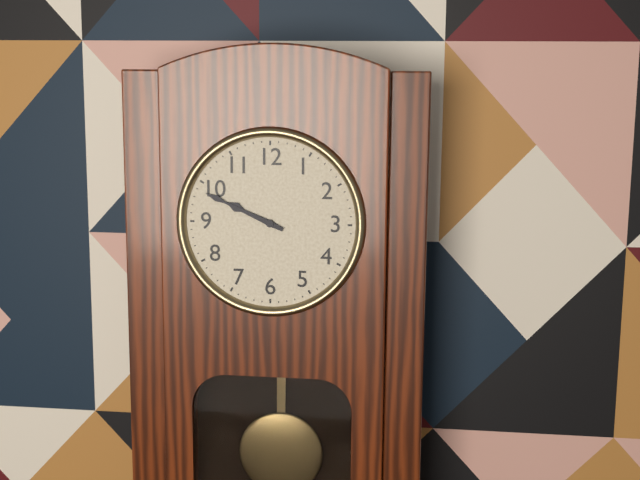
9:49
